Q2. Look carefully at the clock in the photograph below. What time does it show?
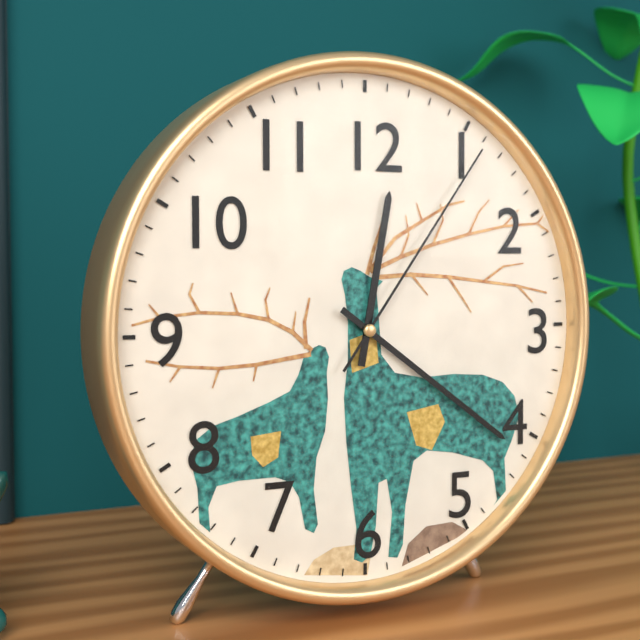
12:21:06
